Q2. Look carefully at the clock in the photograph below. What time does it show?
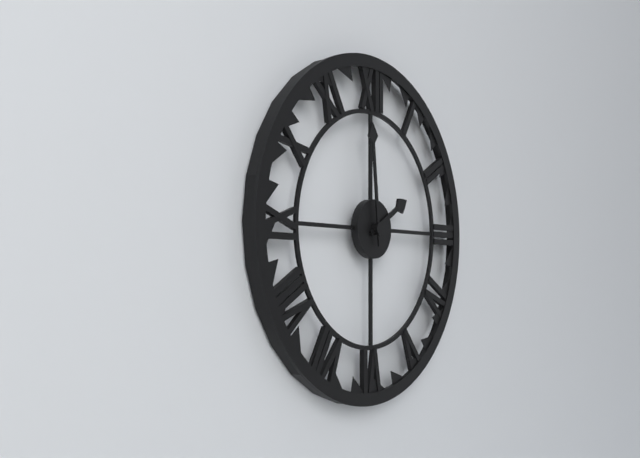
1:59
